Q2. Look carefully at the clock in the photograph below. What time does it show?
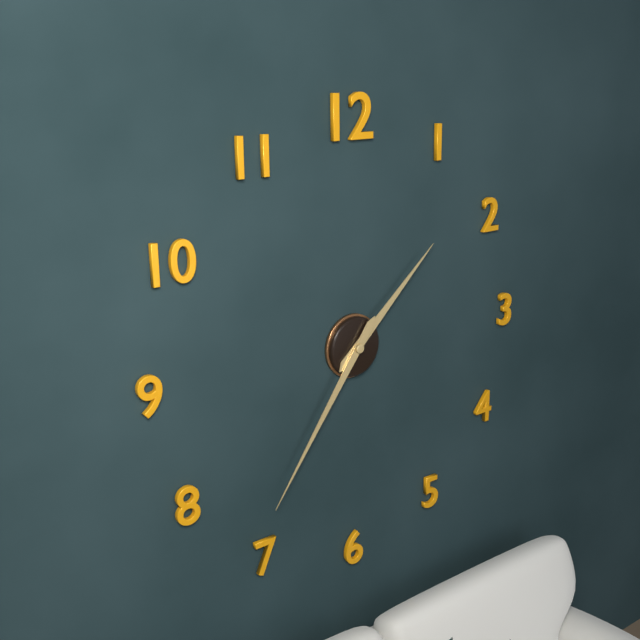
1:36
